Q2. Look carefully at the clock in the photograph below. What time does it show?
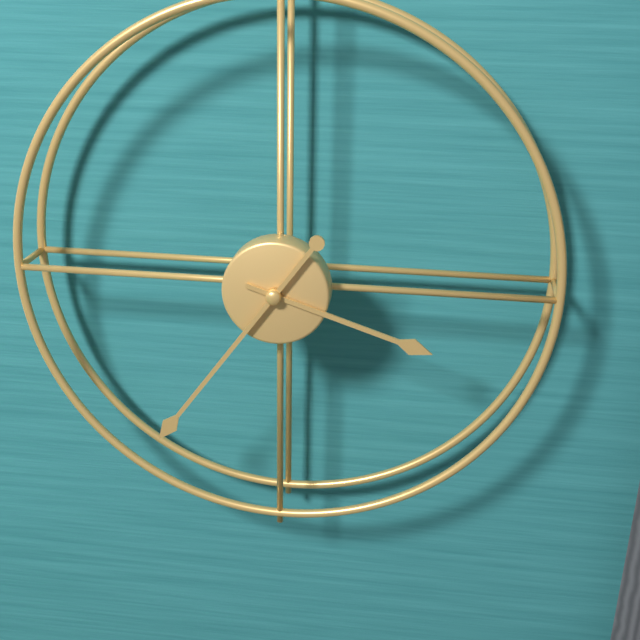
3:36
